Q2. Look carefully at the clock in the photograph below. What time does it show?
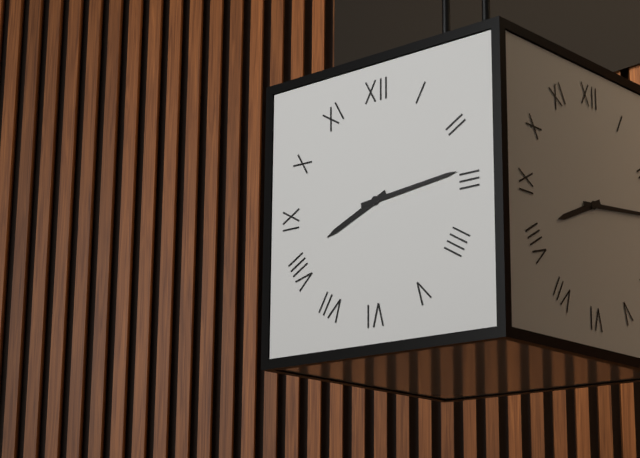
8:14
